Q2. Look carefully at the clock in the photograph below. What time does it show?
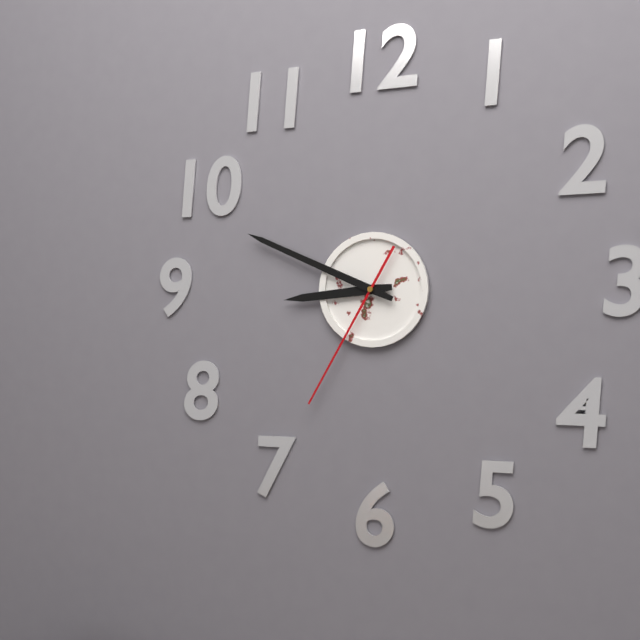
8:49:35
